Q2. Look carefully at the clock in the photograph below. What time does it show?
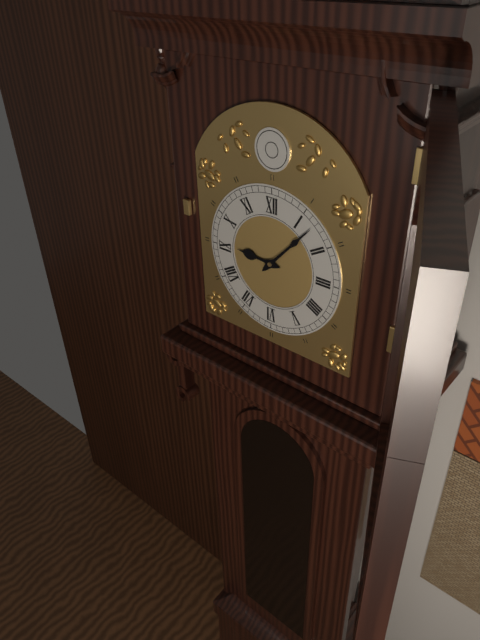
9:07
